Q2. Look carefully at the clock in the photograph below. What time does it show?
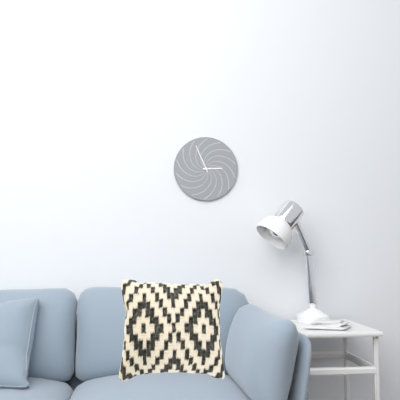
2:56
